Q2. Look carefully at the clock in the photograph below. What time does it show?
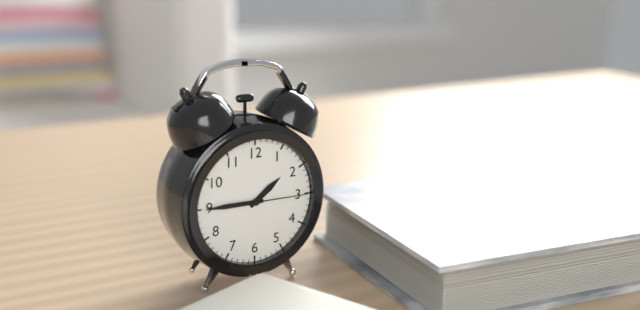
1:45:15
